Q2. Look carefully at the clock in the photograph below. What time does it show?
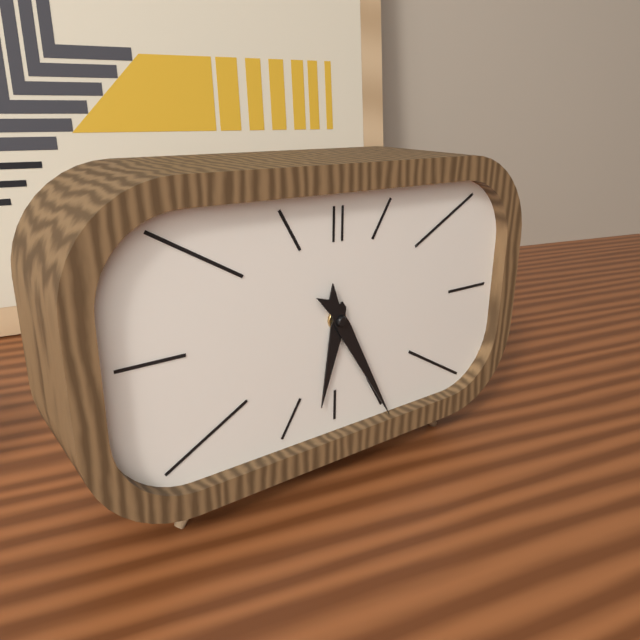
6:25
